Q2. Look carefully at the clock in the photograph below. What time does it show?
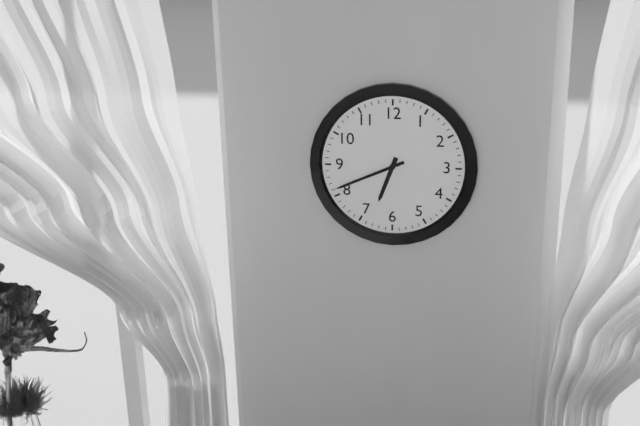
6:41
